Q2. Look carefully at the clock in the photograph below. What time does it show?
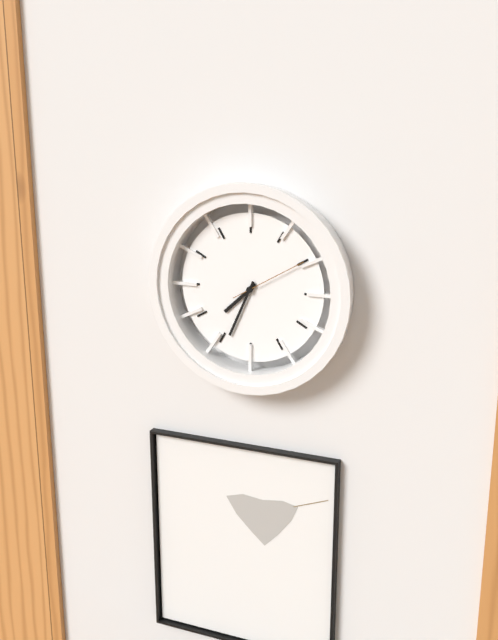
7:34:10
